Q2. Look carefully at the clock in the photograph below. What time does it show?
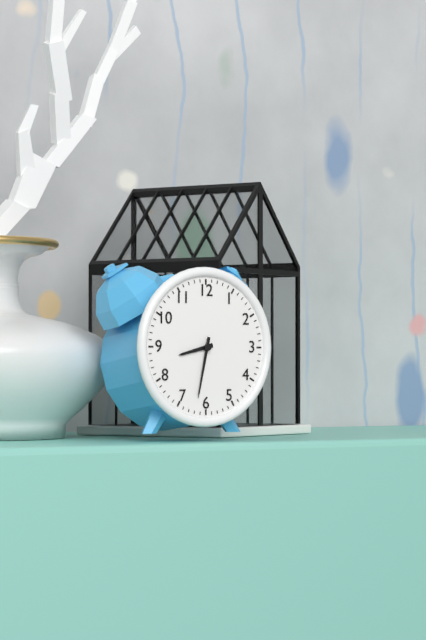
8:32
